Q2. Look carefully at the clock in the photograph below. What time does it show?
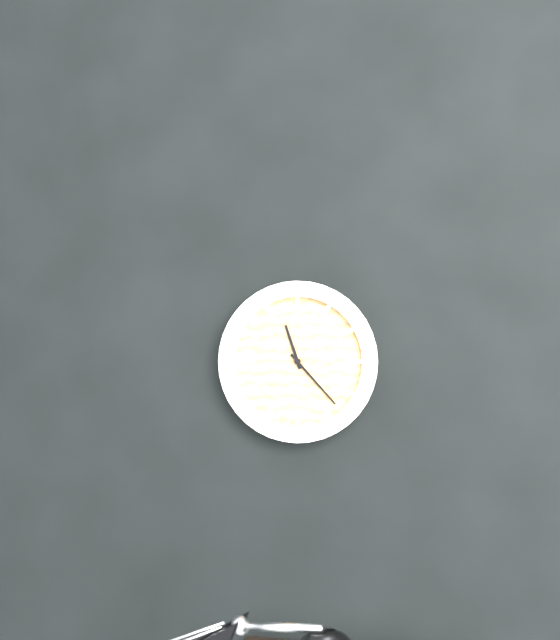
11:23
